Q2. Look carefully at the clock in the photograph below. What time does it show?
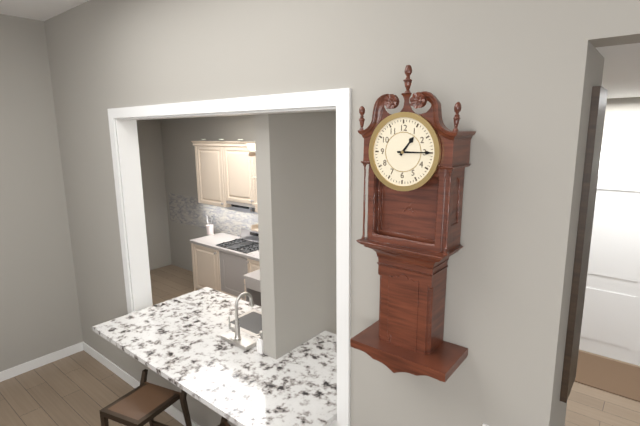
1:15
